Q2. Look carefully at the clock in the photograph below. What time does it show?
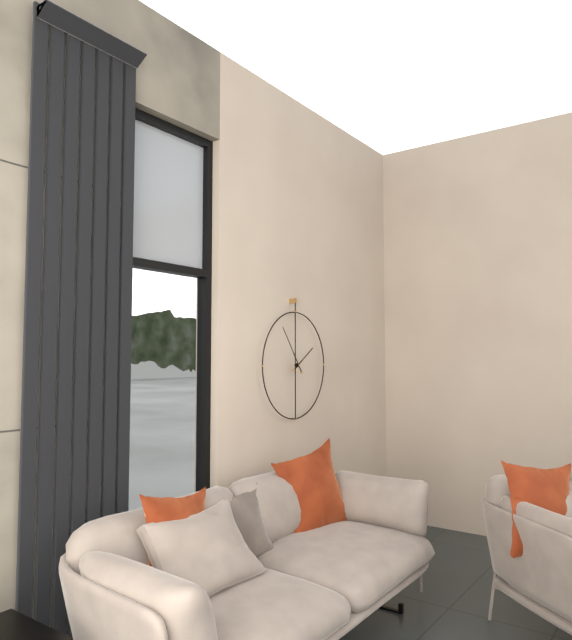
1:54
